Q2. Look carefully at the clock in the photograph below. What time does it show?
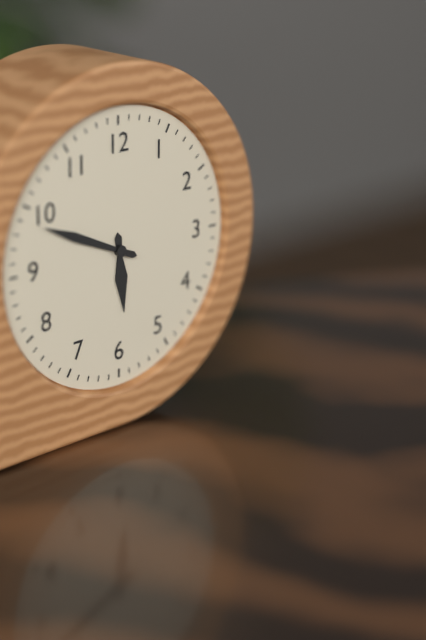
5:49
